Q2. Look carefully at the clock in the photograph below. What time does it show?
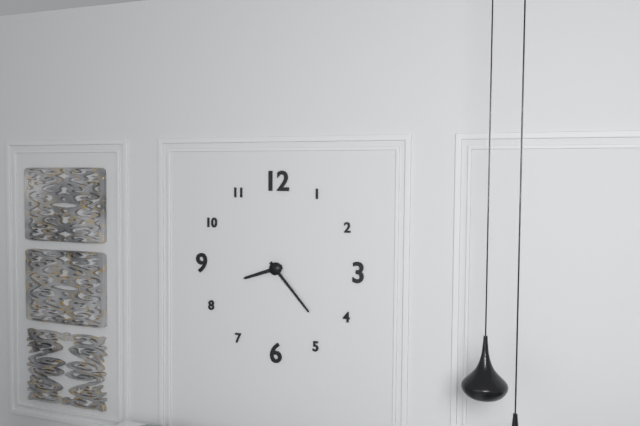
8:23
